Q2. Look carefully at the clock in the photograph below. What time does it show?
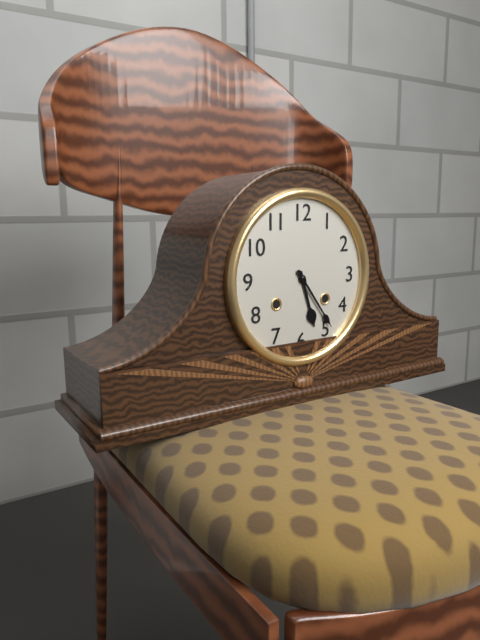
5:24
